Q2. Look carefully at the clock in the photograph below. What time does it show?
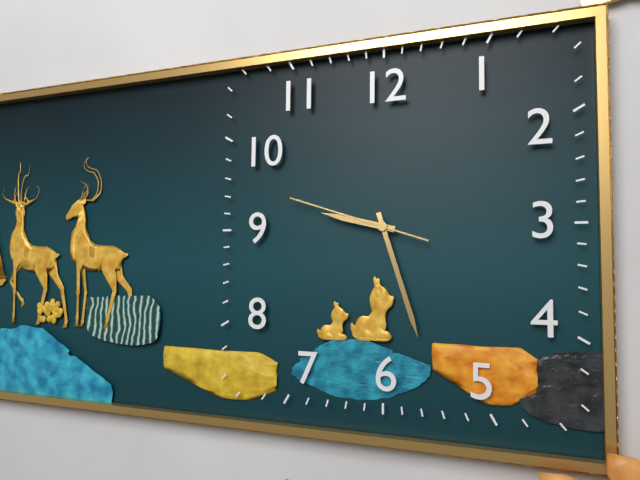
9:27:48
